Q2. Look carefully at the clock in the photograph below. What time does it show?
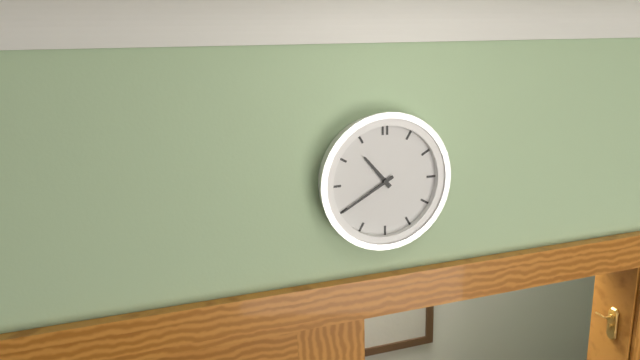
10:40
